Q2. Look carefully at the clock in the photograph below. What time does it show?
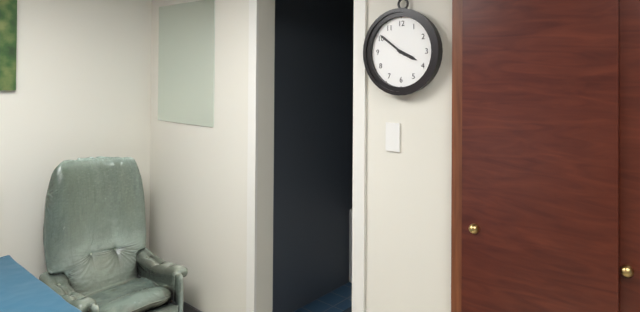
3:51
